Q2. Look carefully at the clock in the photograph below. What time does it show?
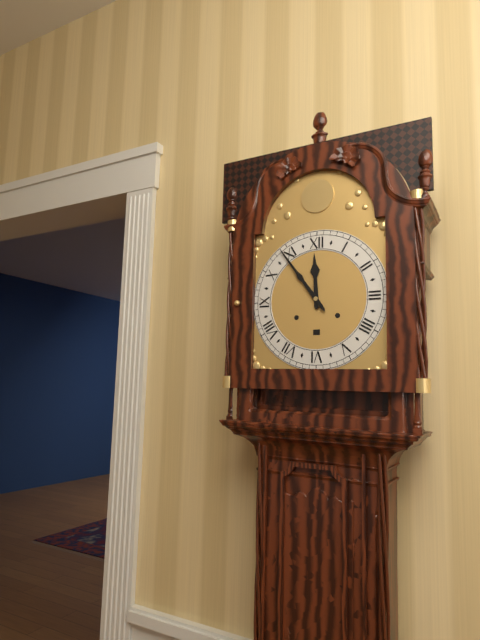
11:54
